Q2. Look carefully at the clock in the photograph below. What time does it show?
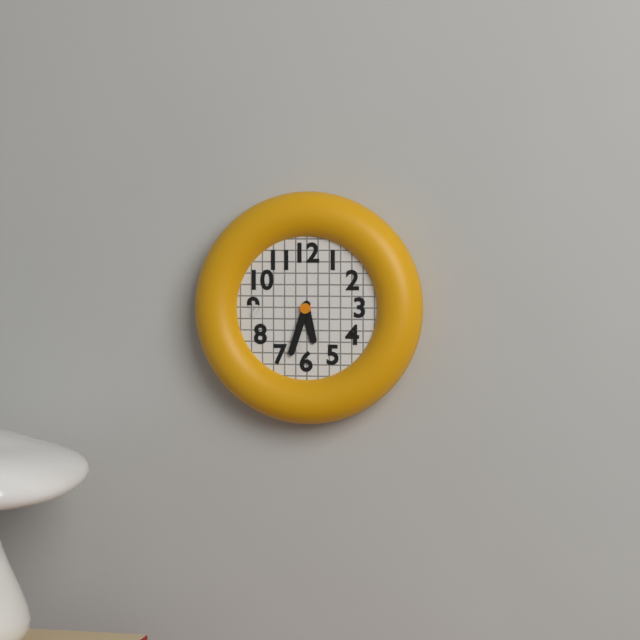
5:33
